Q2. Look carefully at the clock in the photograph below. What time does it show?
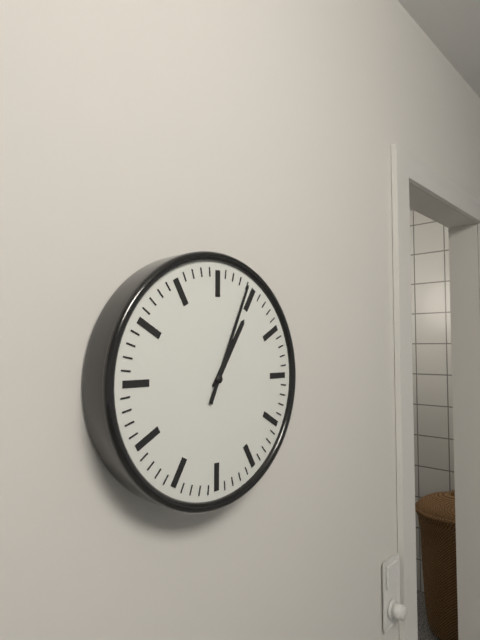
1:04
